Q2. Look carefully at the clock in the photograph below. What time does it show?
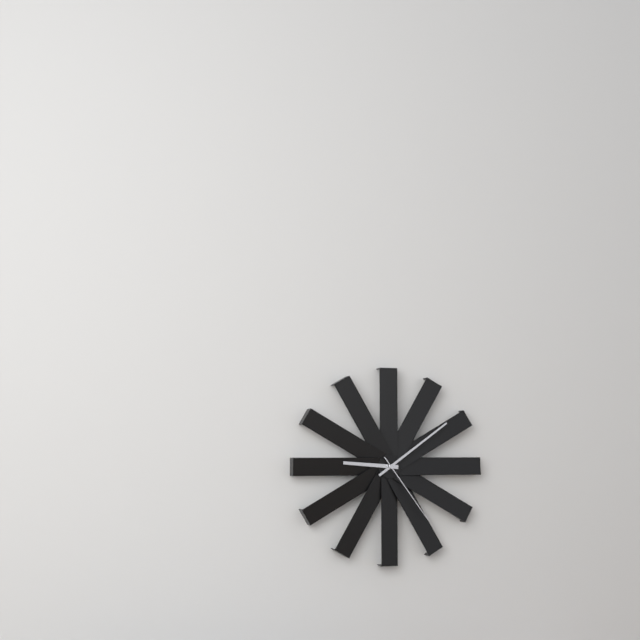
9:09:24
